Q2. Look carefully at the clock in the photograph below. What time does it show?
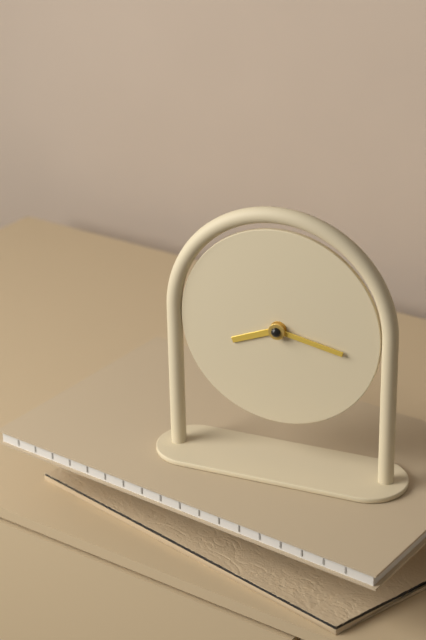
8:17
